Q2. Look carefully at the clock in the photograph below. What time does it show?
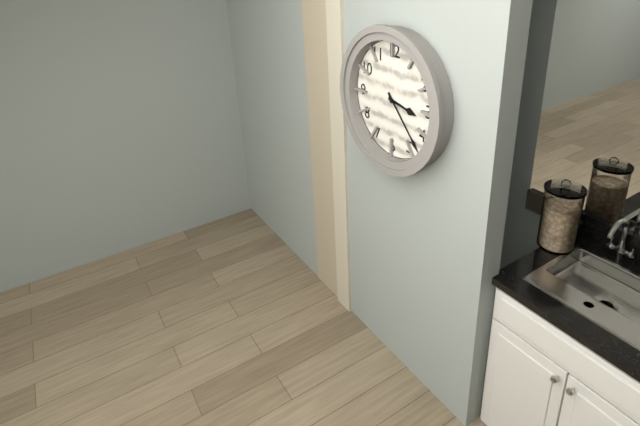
3:23
